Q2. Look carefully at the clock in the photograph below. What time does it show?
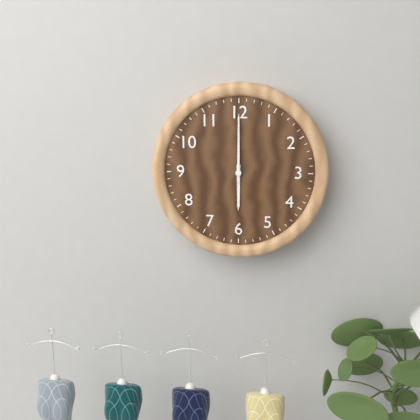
6:00
